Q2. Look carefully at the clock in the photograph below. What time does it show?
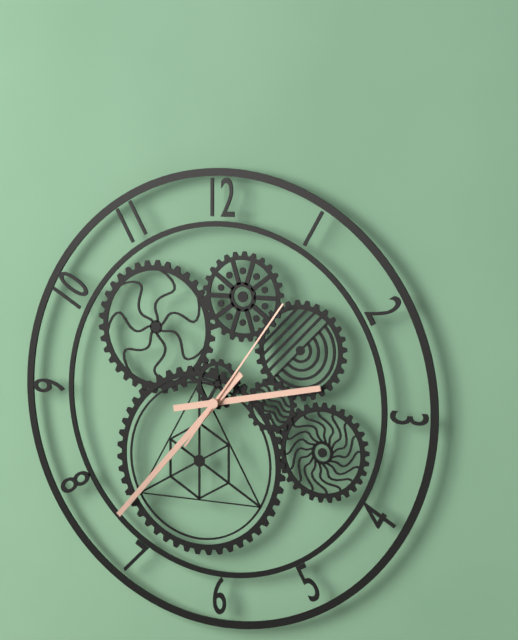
2:37:06
